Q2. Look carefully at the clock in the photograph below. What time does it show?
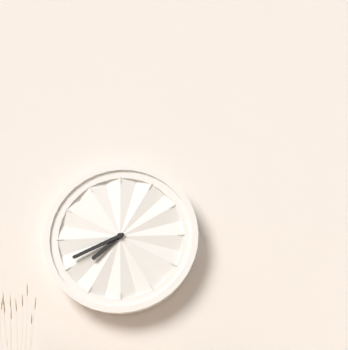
7:41
